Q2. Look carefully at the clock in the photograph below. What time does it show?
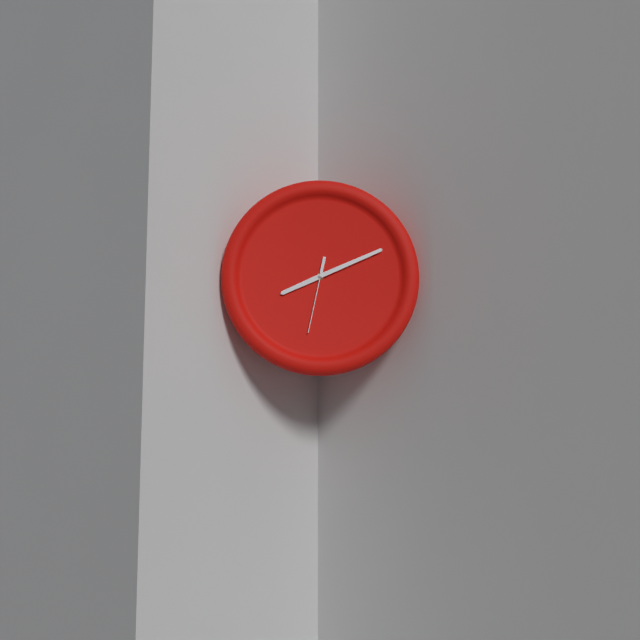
8:11:32
